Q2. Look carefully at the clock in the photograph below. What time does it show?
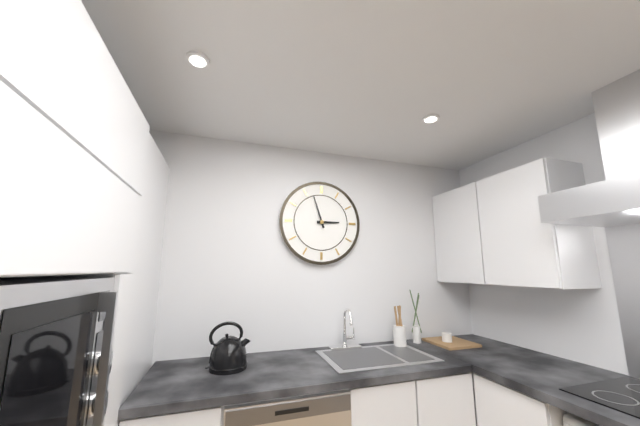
2:57
